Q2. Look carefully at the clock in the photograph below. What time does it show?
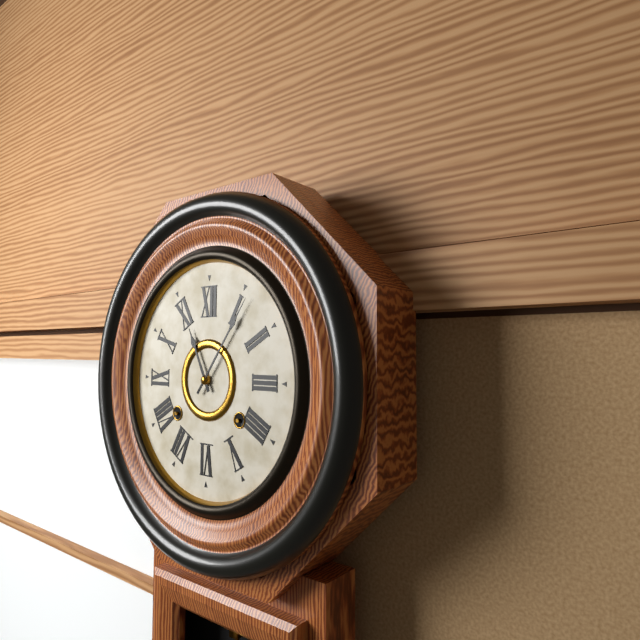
11:06
